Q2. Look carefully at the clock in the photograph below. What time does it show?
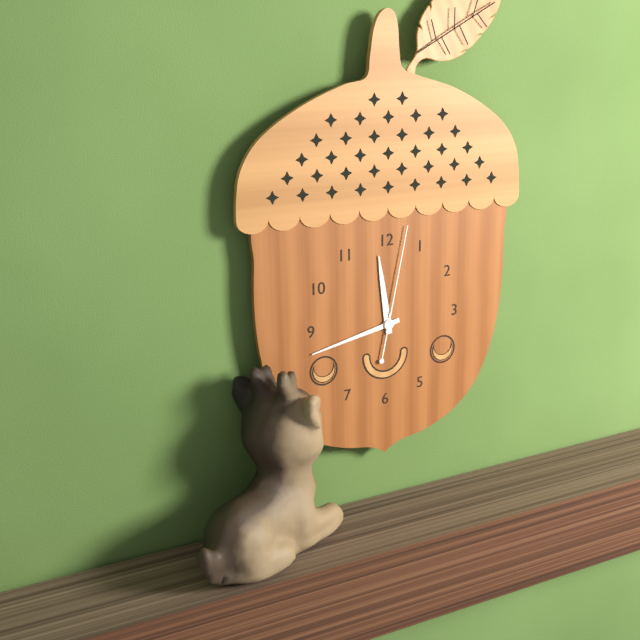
11:43:02
